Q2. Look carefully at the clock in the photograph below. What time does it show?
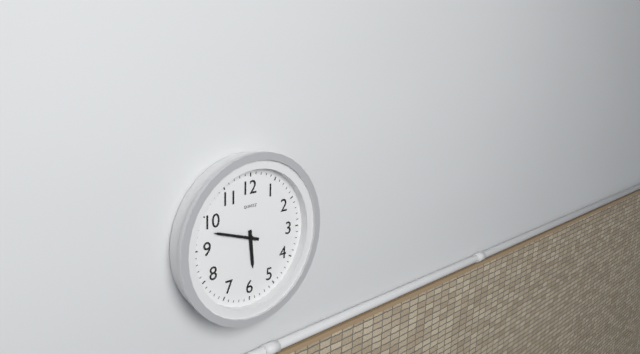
5:48
